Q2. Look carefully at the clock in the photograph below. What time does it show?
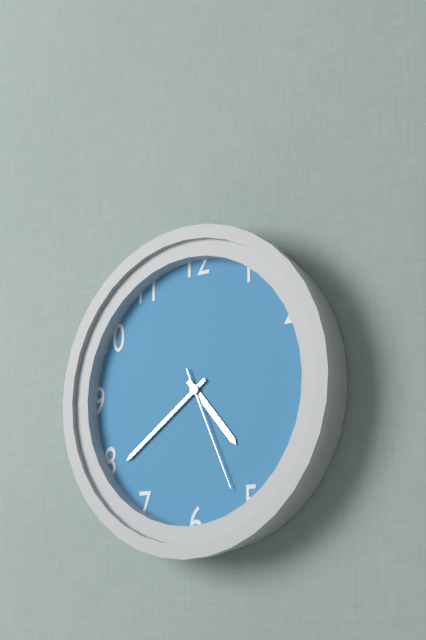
4:39:26
